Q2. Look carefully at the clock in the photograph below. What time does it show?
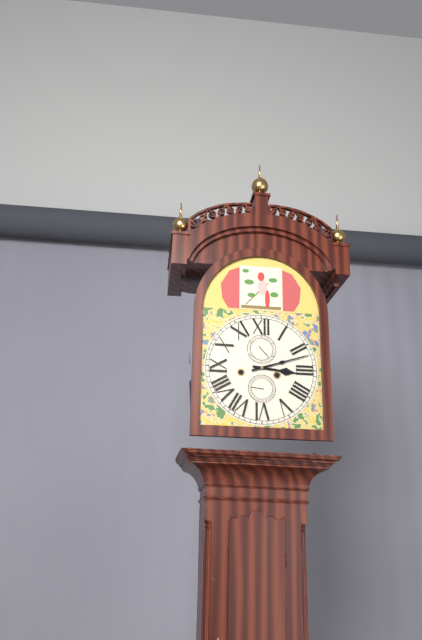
3:12
